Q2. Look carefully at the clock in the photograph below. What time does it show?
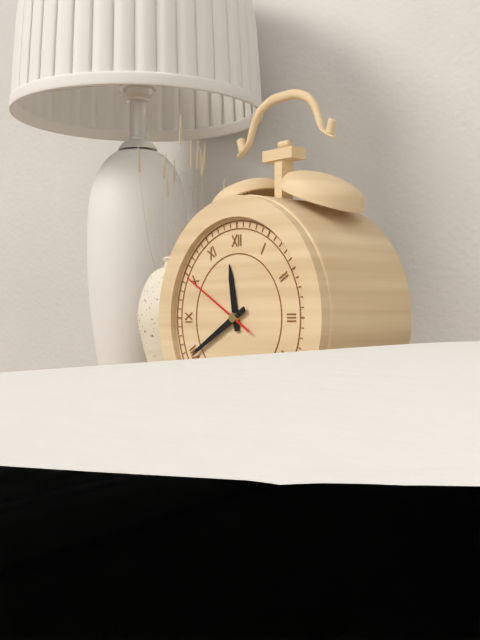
11:40:50
